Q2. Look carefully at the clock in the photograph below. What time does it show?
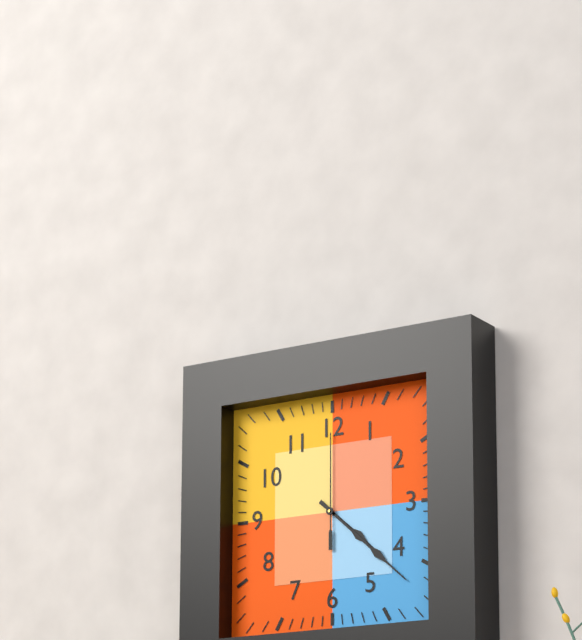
4:22:00
